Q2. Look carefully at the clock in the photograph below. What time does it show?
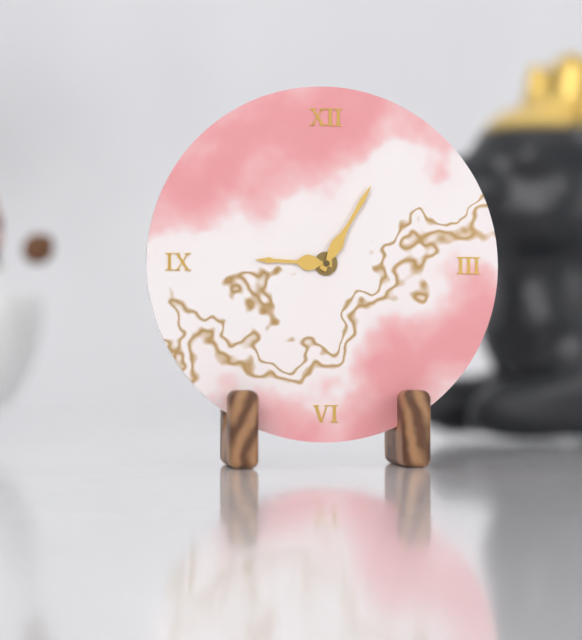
9:05
